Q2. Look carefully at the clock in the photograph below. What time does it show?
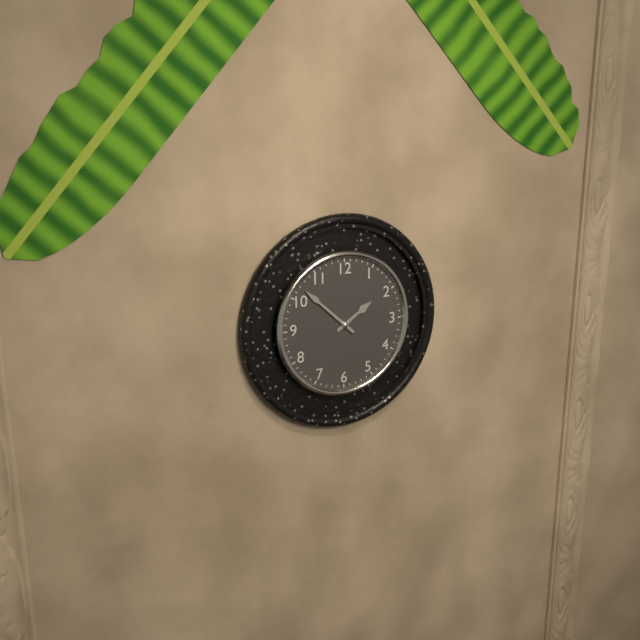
1:52
